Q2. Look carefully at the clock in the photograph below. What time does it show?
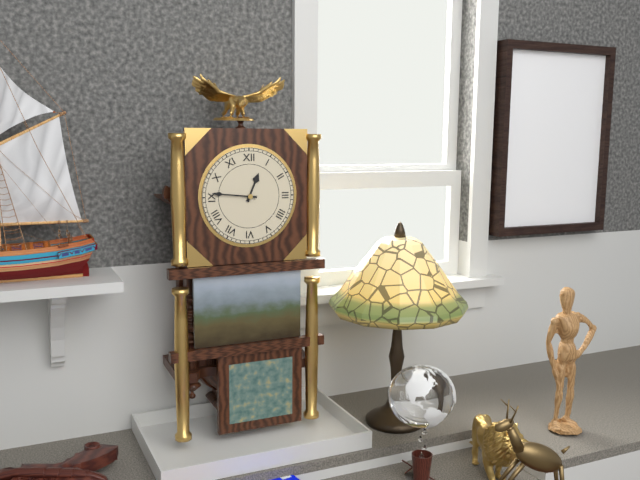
12:46
